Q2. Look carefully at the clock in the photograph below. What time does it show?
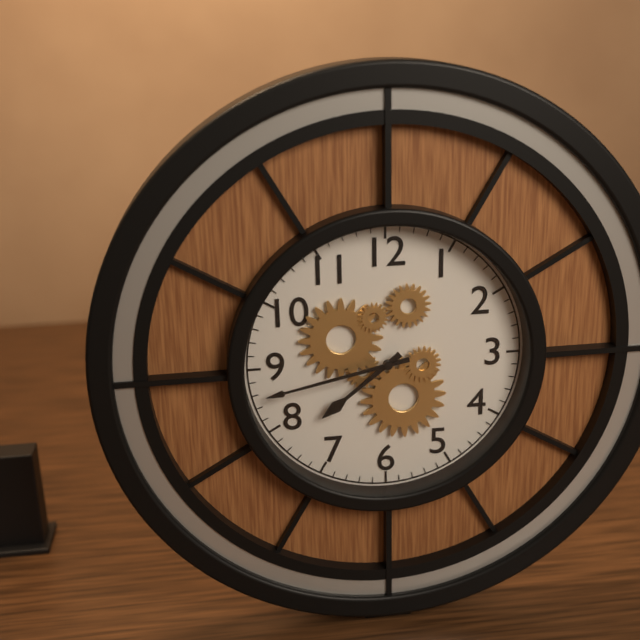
7:43
